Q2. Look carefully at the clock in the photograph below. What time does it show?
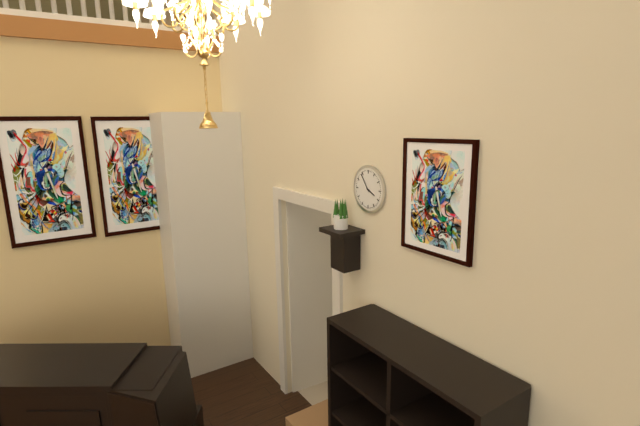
3:54
